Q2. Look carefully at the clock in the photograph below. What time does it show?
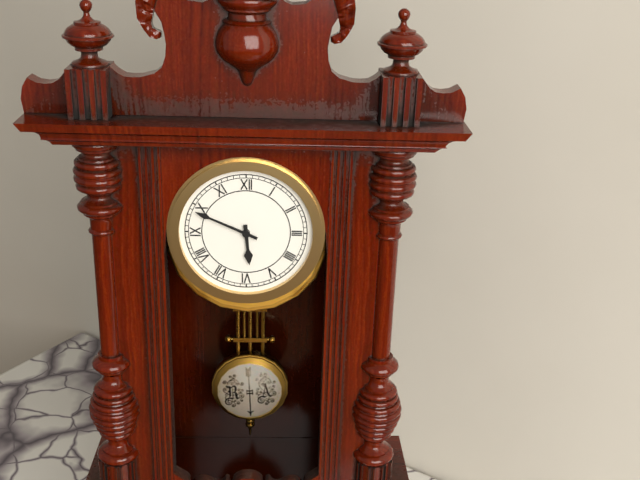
5:49
